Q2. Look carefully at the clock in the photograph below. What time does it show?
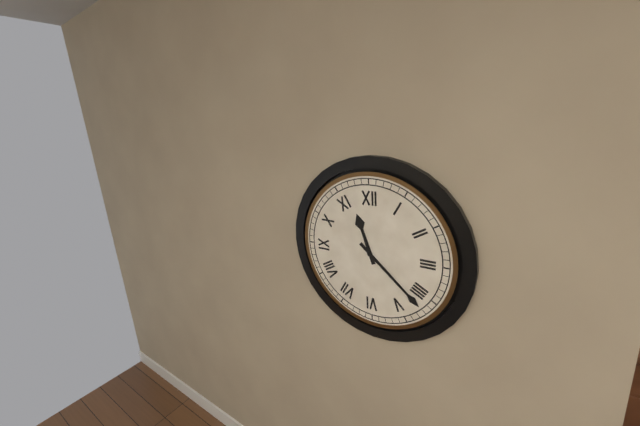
11:22
